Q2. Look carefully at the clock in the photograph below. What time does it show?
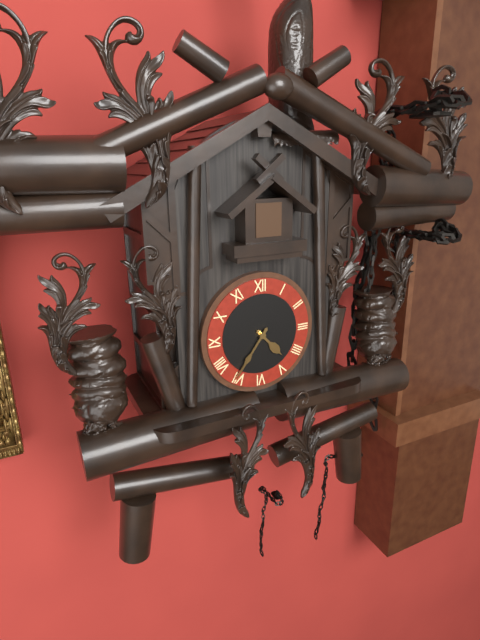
4:36
